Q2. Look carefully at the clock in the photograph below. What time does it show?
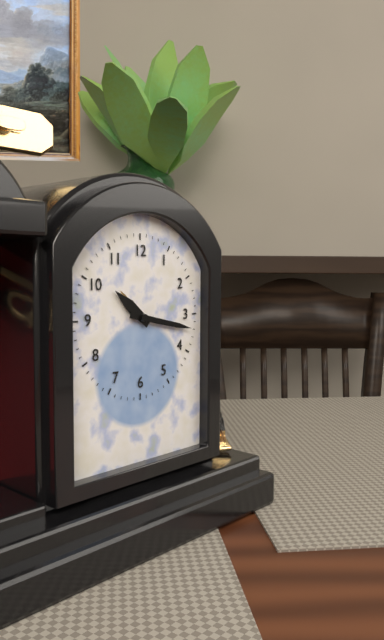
10:17
